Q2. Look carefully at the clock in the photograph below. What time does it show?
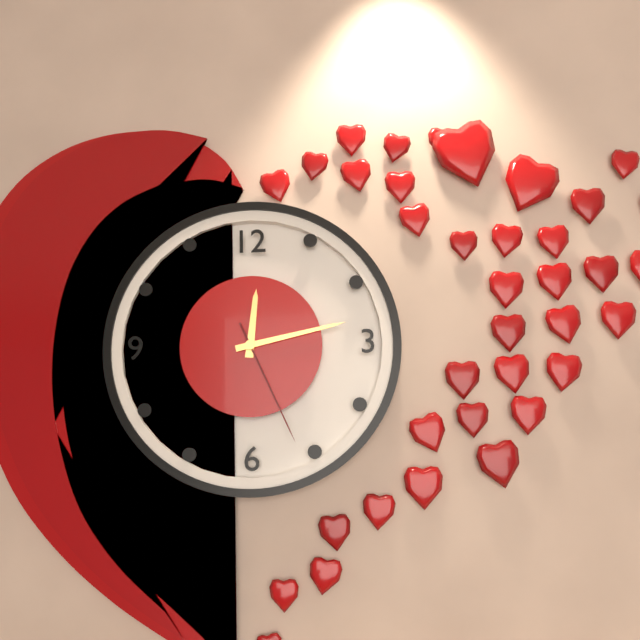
12:13:26
